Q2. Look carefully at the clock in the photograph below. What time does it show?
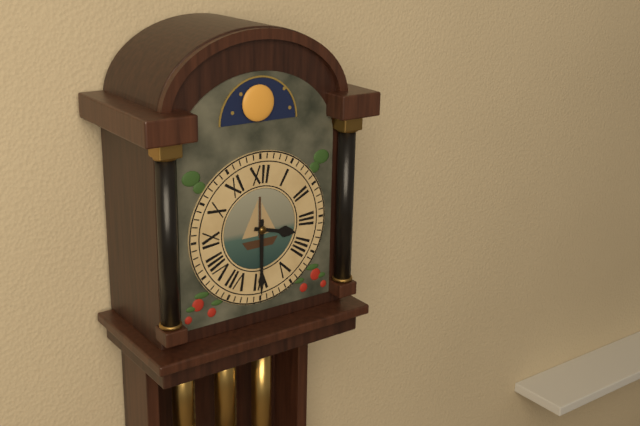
3:30
